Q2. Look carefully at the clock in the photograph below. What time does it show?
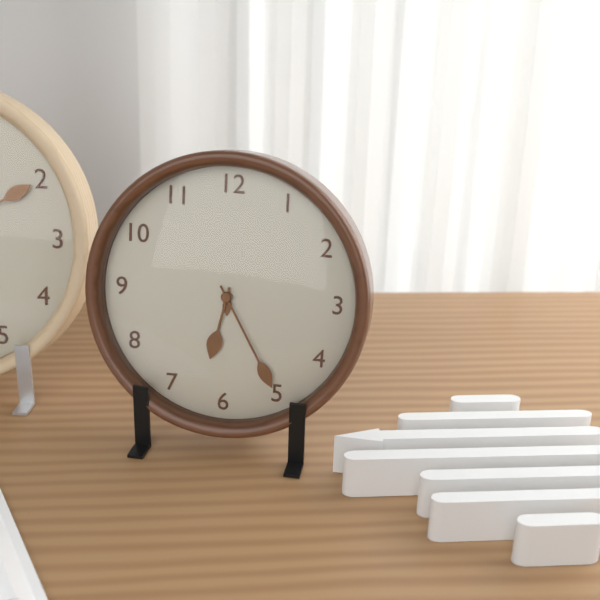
6:25
